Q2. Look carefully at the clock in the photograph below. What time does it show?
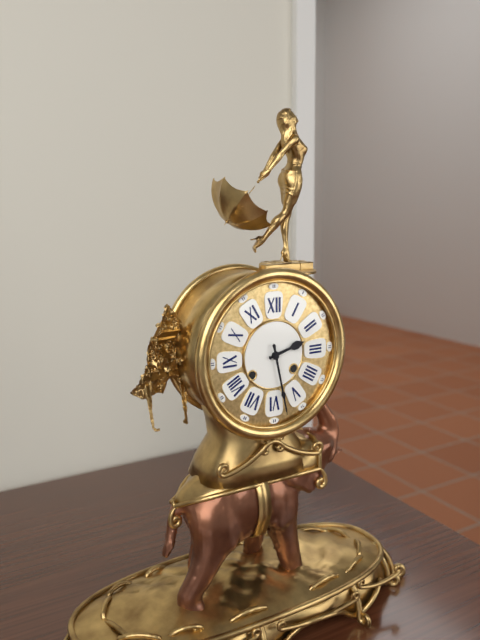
2:28
